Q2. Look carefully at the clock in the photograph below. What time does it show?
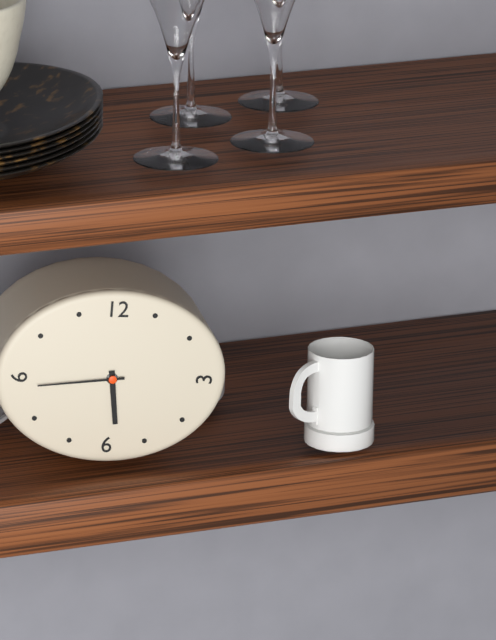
5:44
